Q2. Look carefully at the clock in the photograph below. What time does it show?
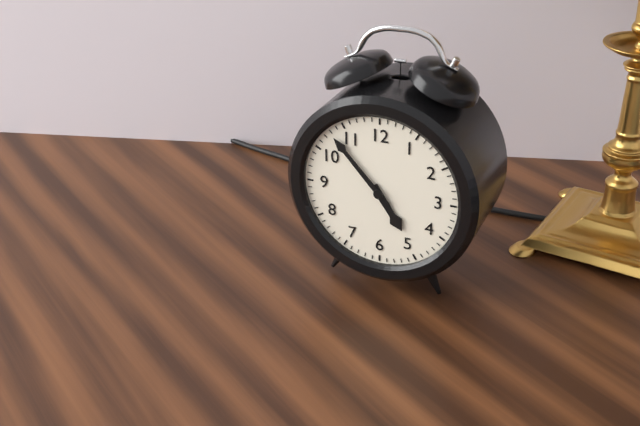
4:53
